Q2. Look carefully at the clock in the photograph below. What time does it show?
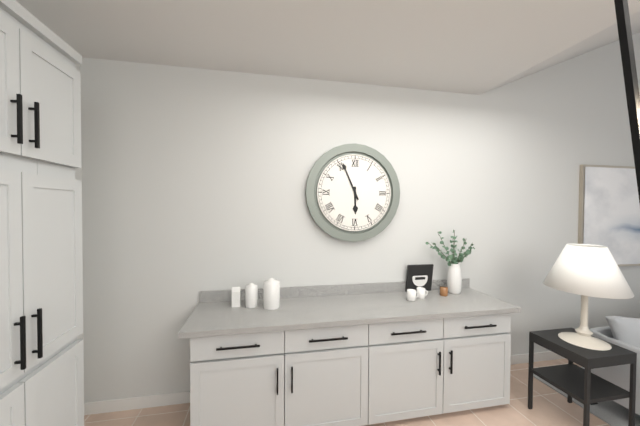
5:56
